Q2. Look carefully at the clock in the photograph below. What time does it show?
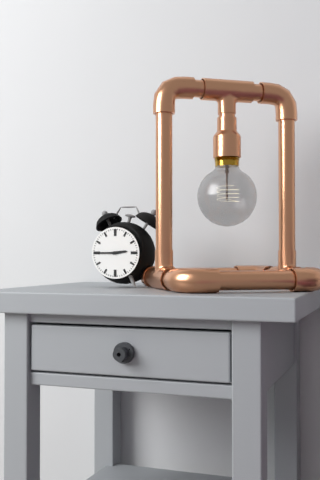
2:45
